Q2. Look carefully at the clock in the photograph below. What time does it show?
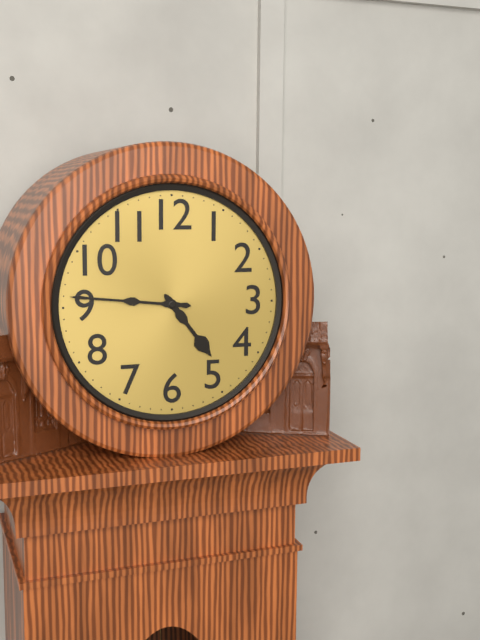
4:46
